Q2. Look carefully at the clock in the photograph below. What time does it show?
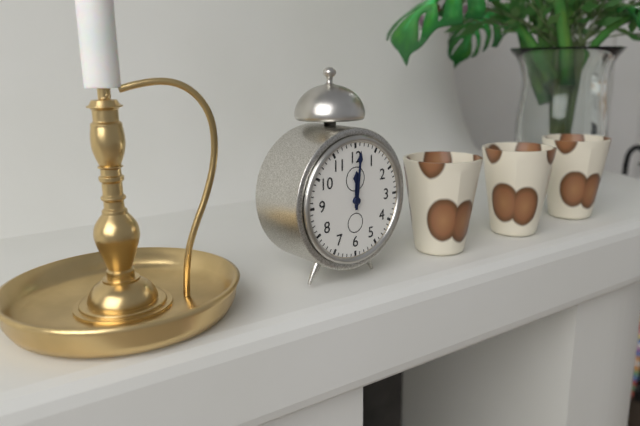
12:01
